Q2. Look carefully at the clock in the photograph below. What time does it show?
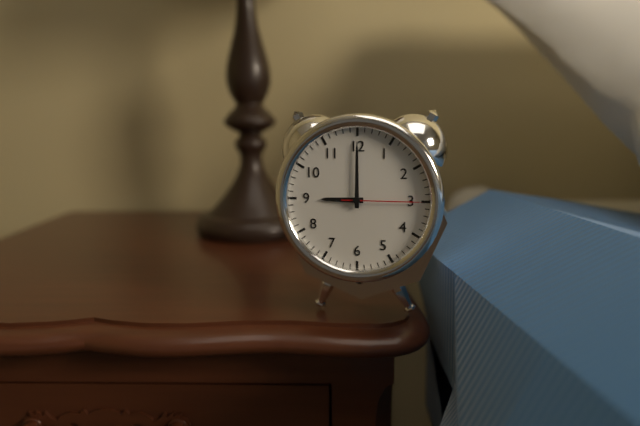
9:00:15
